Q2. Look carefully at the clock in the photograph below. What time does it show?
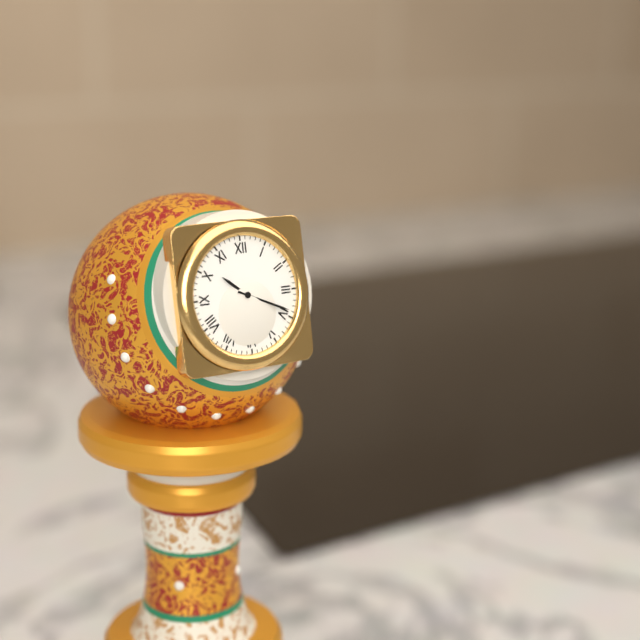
10:19
